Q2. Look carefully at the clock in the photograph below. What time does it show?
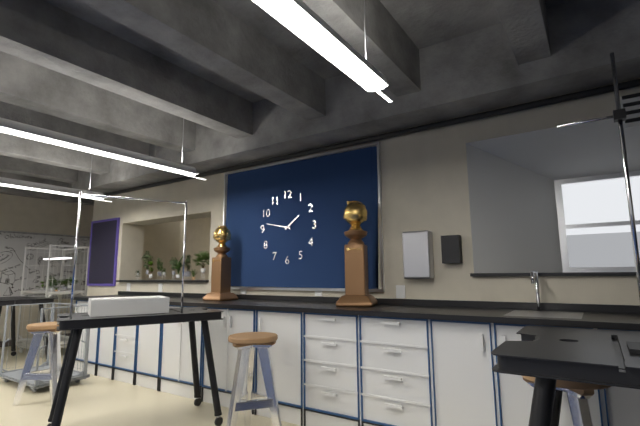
1:47
